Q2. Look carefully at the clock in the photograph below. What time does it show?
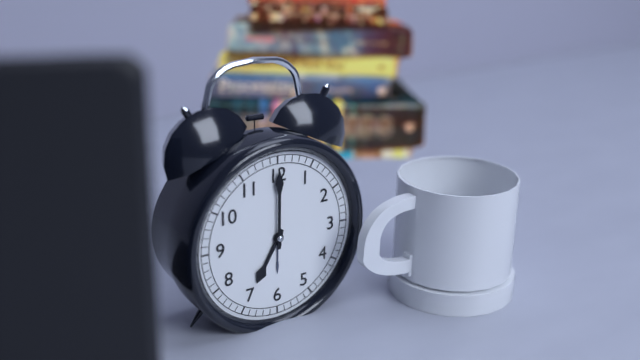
7:00
